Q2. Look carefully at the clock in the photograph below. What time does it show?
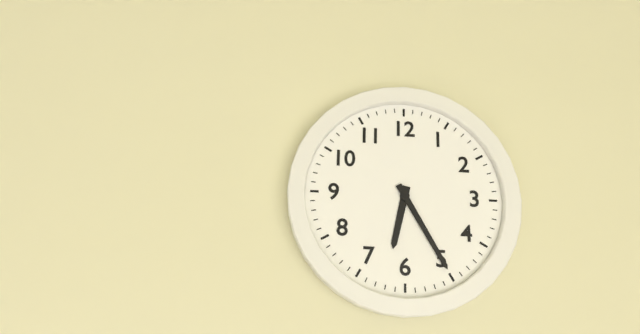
6:25
